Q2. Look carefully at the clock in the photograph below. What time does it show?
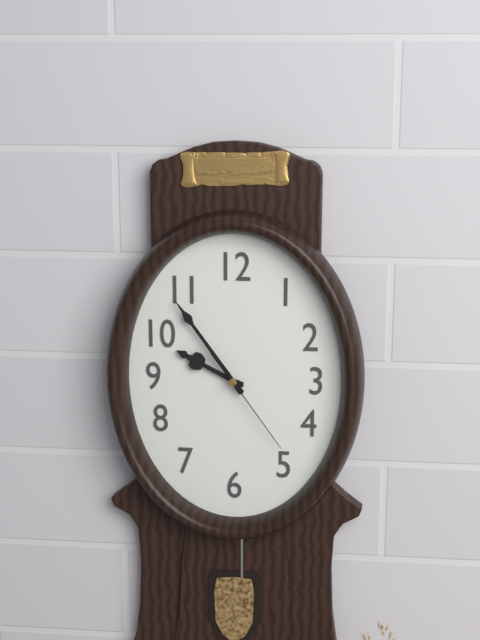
9:54:24
